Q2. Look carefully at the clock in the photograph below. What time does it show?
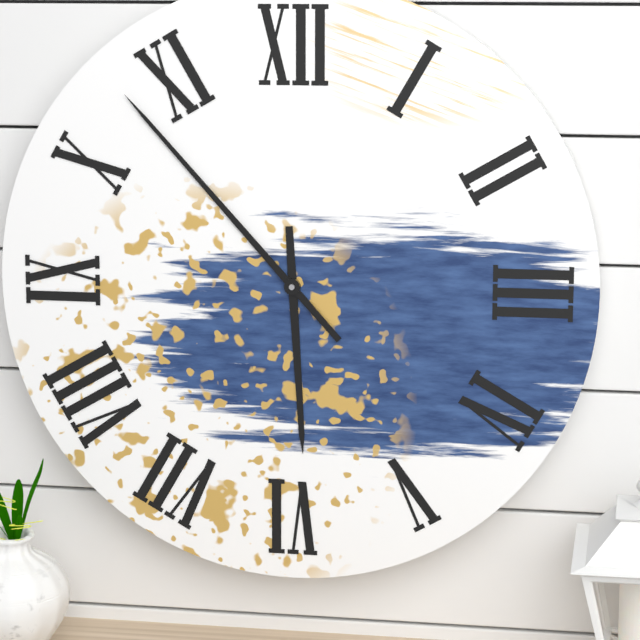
5:53
